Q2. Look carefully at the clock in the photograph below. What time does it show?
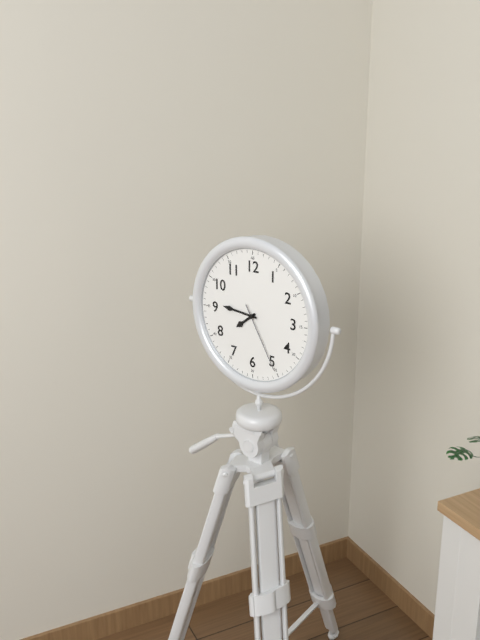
7:46:25
